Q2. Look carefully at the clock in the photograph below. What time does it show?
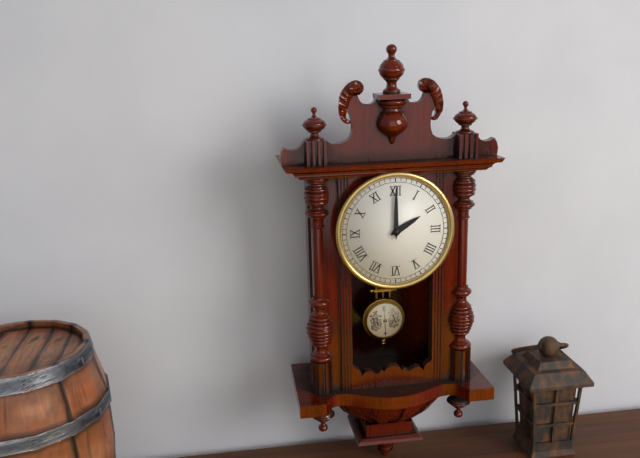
2:00
